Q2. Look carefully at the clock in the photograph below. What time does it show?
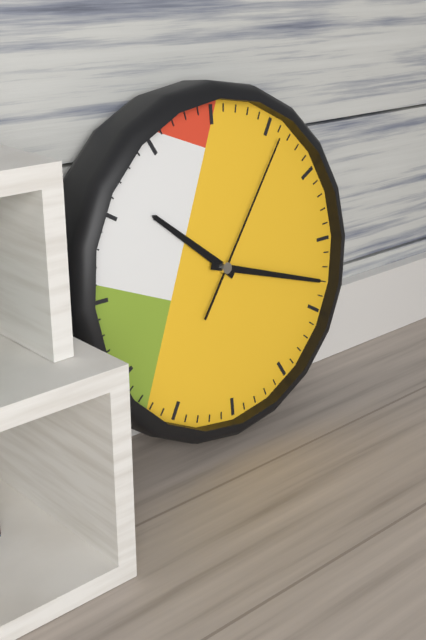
10:18:06
